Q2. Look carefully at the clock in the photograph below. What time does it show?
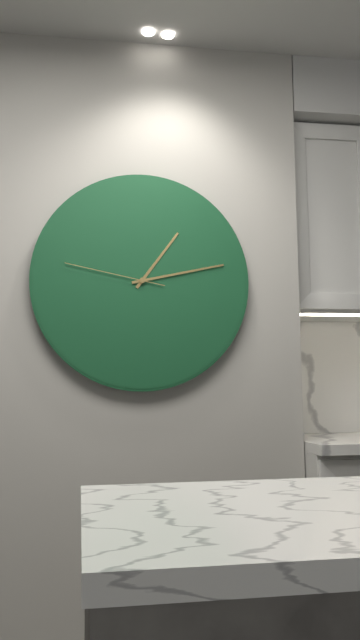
1:13:47
